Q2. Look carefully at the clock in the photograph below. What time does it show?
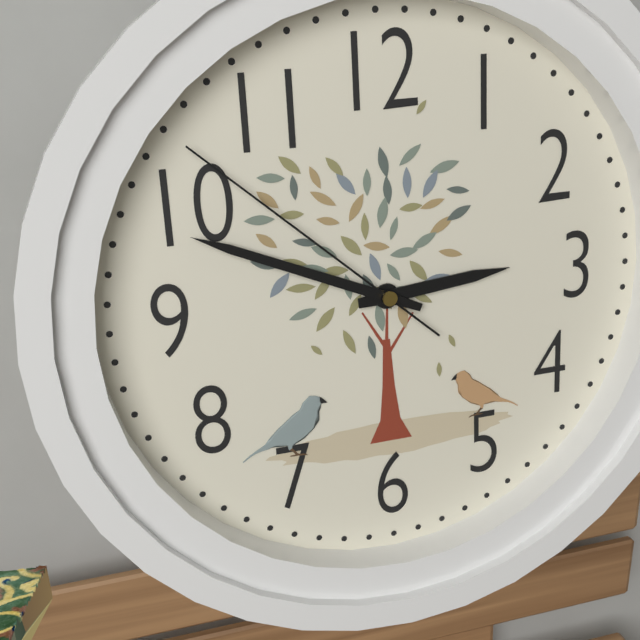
2:49:52
